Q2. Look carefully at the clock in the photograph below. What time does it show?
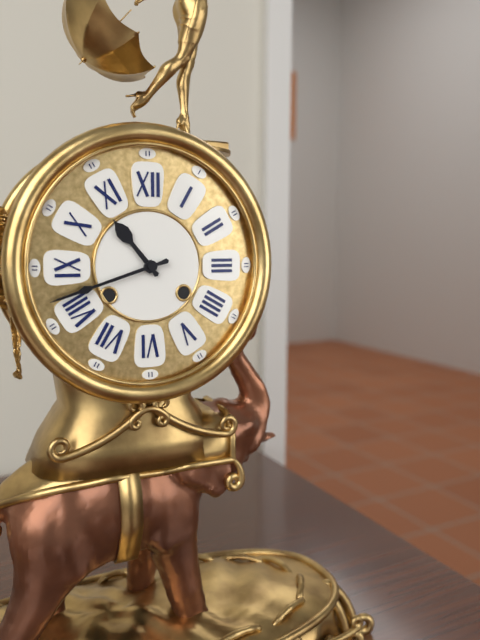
10:42
